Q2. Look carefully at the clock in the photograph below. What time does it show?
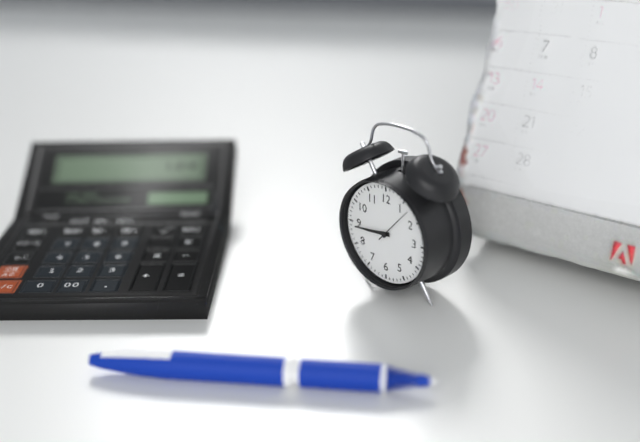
8:44
